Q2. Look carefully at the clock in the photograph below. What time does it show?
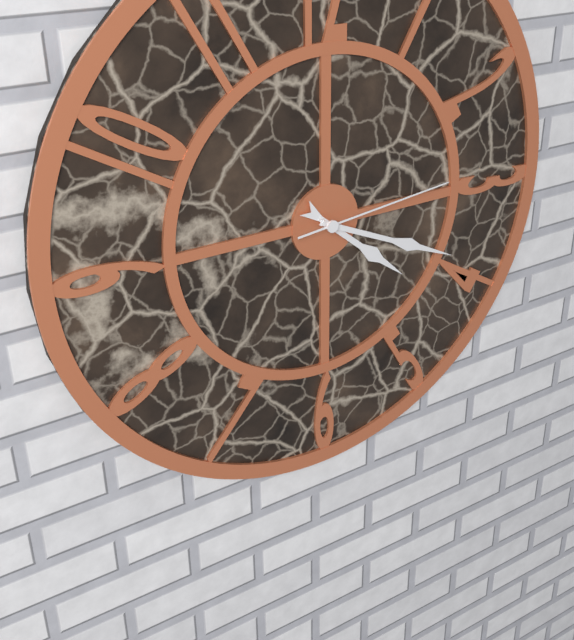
4:19:14
